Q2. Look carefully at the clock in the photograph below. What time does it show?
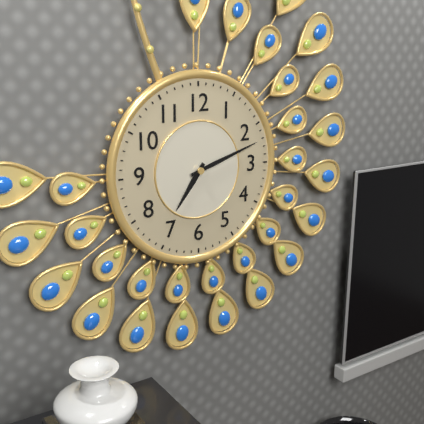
7:12
